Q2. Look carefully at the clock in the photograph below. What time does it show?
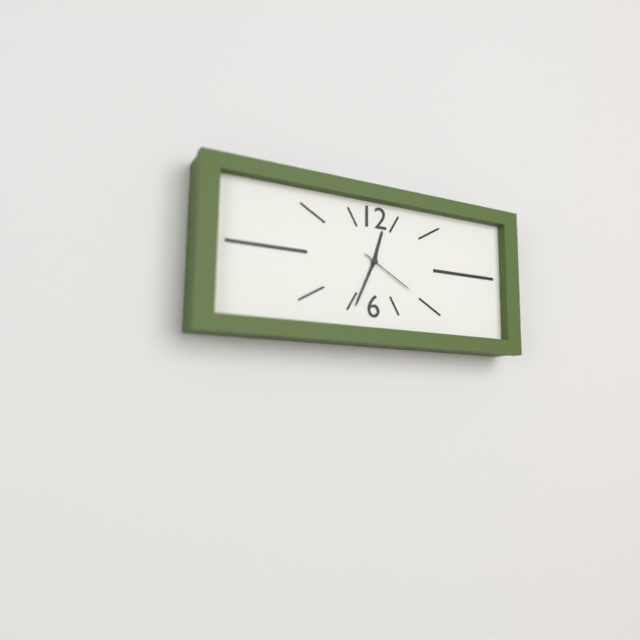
12:34:20
